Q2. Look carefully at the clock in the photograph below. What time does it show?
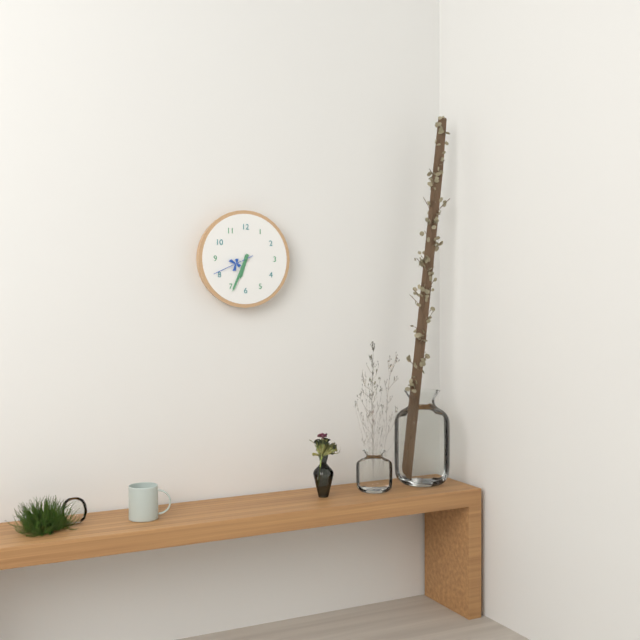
6:34
